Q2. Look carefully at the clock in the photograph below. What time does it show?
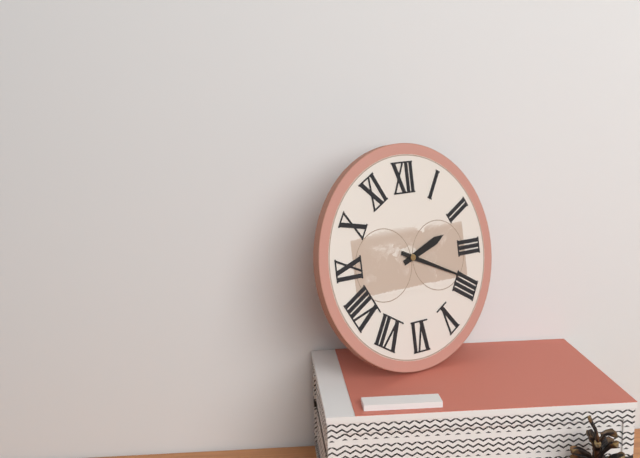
2:19
